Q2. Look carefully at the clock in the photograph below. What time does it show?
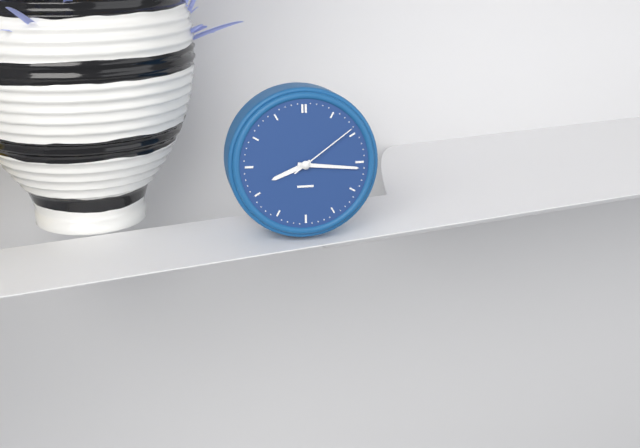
8:16:09
